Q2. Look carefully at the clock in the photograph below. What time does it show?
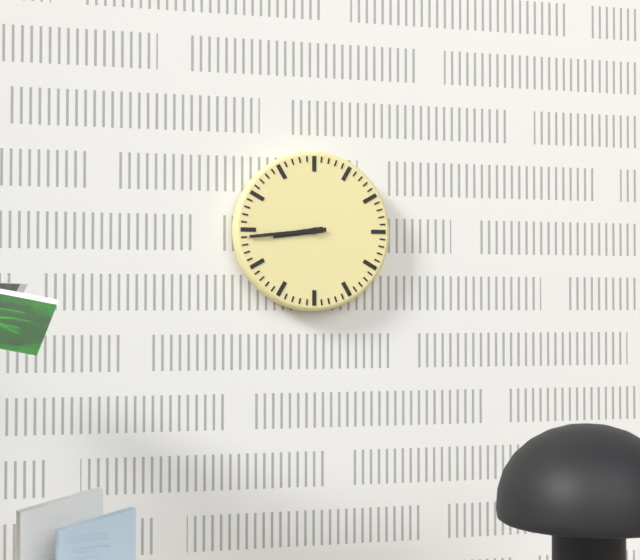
8:44
